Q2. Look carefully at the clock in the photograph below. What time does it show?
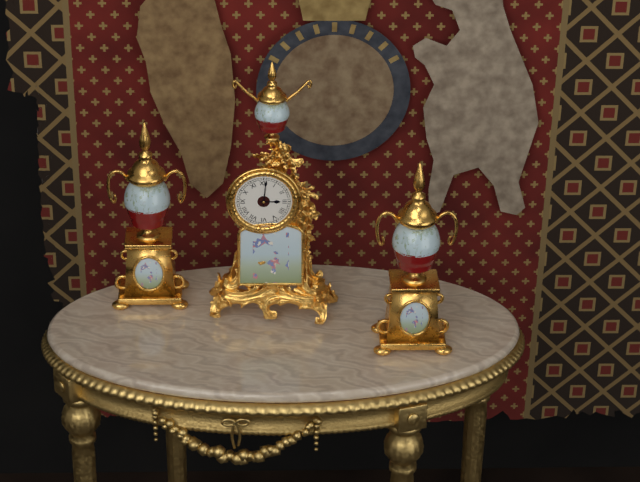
3:01
